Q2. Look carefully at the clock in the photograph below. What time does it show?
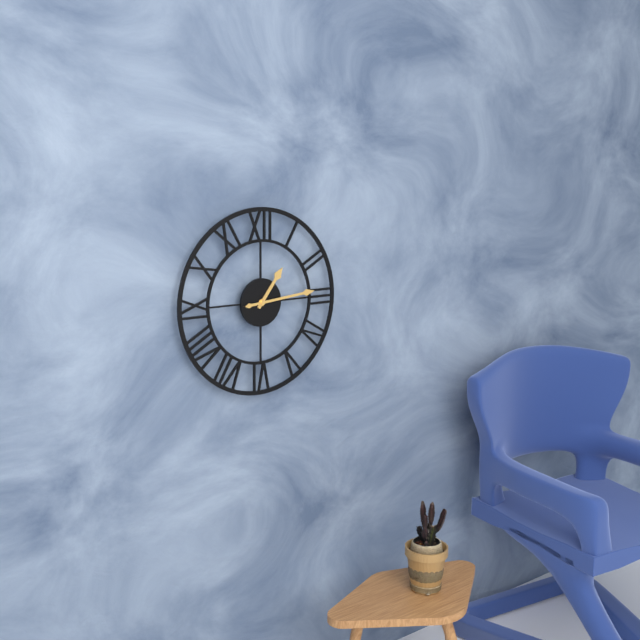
1:14
